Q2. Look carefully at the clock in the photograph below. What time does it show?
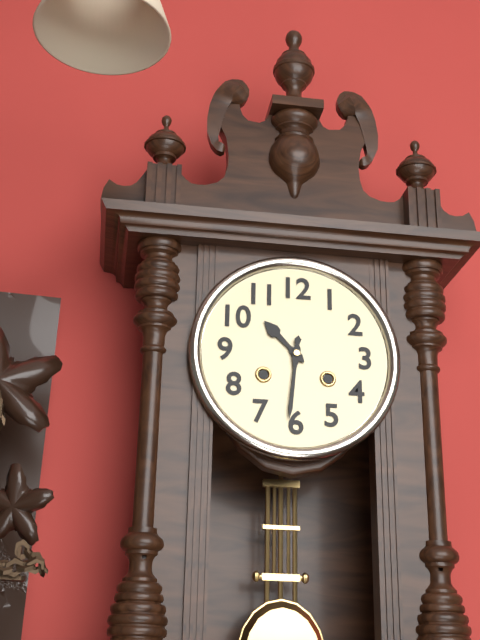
10:31
